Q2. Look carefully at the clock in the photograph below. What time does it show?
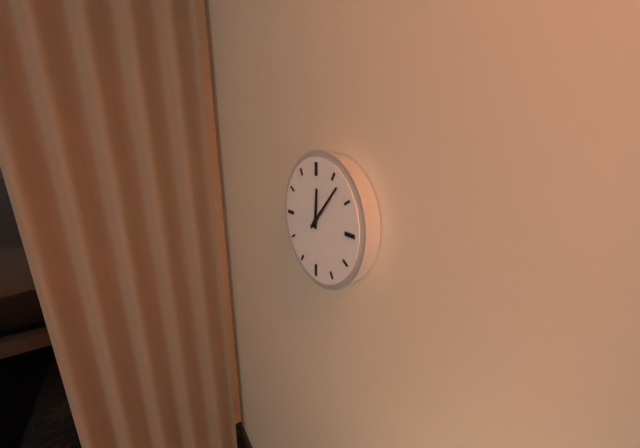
12:07
